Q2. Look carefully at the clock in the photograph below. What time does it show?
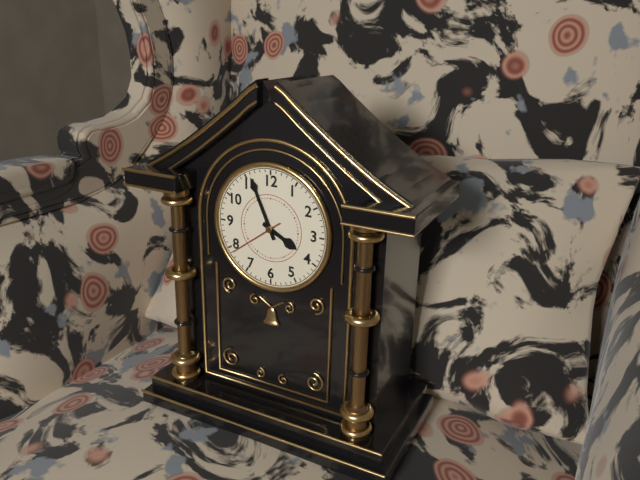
3:56:39
